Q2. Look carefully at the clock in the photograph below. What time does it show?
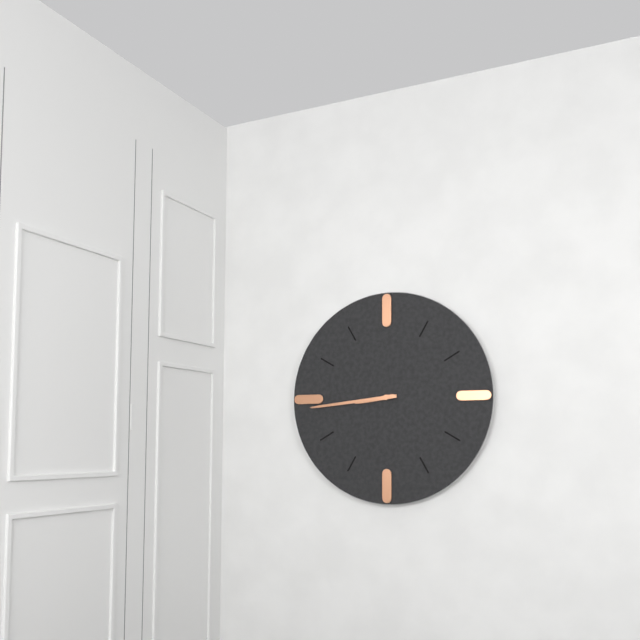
8:44
